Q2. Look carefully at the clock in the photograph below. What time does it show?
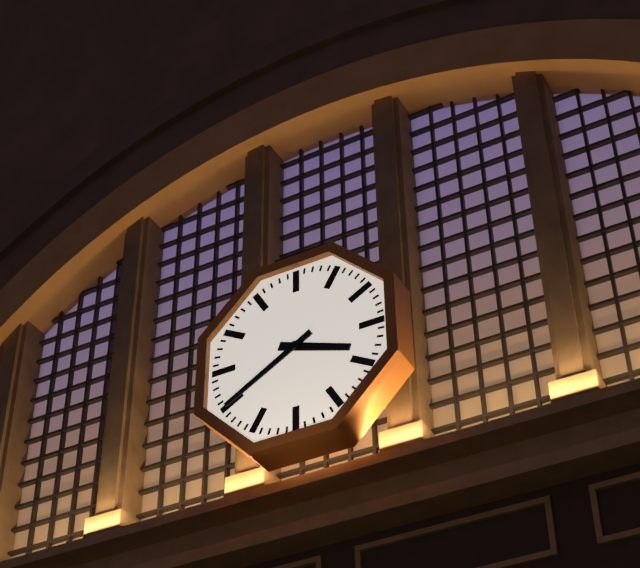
3:40
